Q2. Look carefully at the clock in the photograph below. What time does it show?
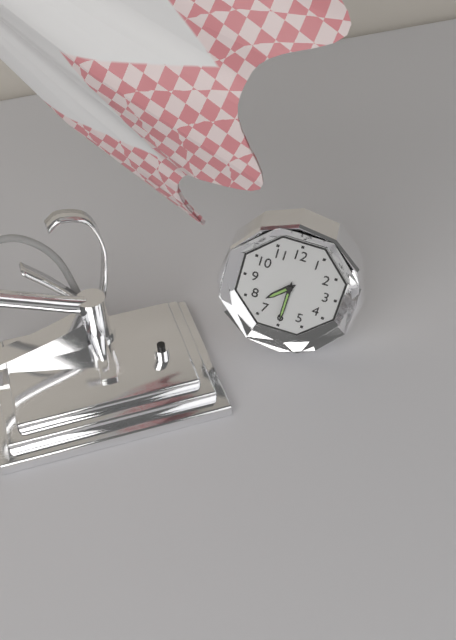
7:30
